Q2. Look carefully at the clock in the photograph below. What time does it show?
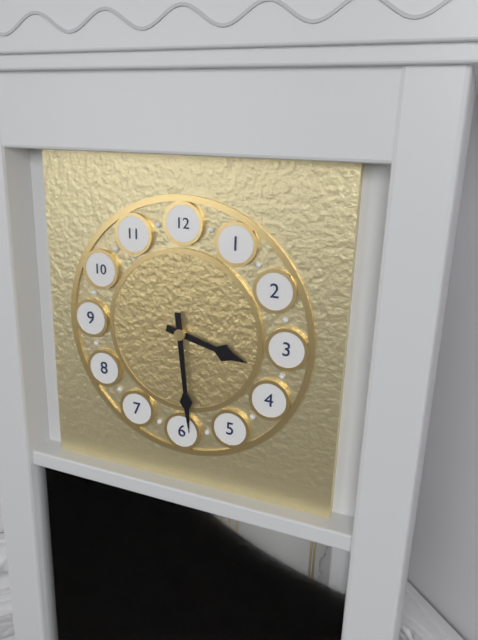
3:29
